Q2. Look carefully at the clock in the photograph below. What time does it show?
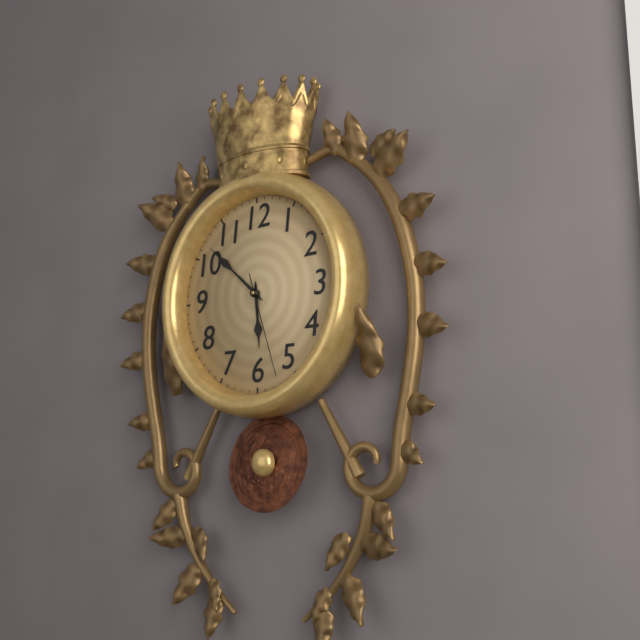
5:52:27
